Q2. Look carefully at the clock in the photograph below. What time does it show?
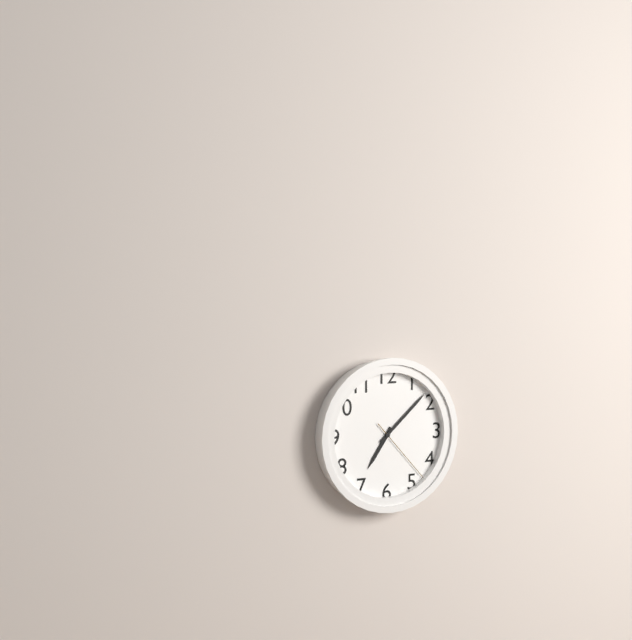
7:08:23
